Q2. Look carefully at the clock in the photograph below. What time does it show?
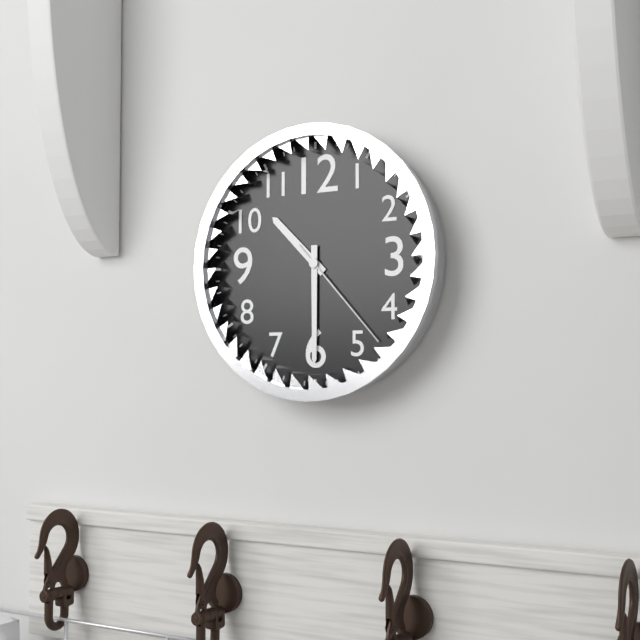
10:30:23
